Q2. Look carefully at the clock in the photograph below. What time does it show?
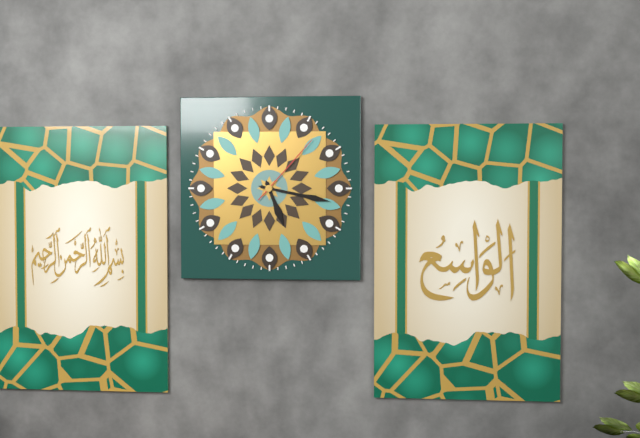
5:17:07
